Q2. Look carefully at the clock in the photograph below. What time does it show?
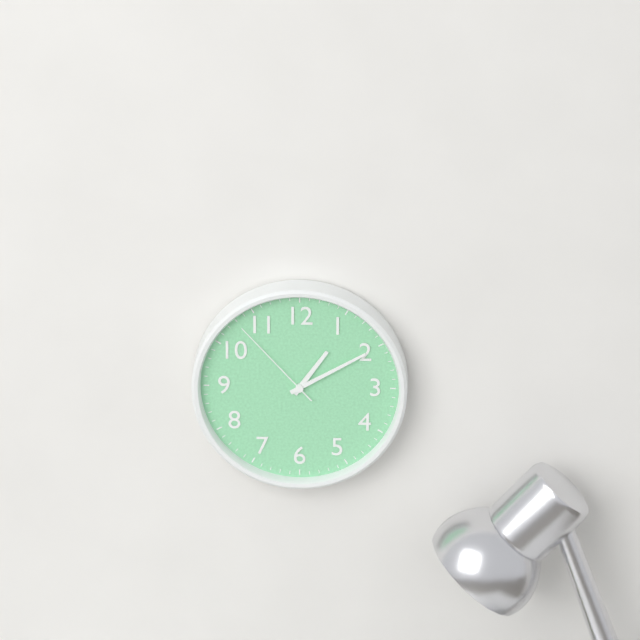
1:10:53
